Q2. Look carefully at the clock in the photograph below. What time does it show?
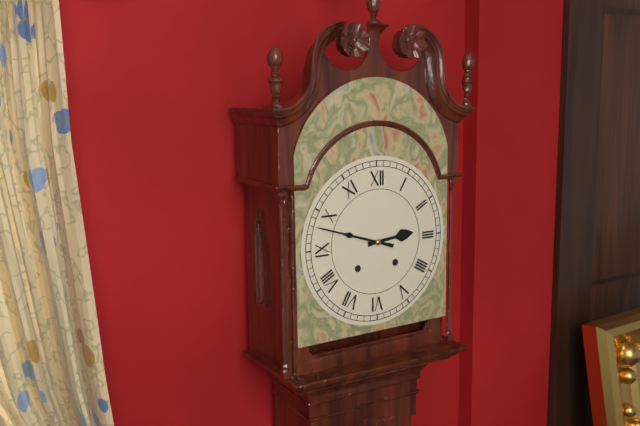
2:48
